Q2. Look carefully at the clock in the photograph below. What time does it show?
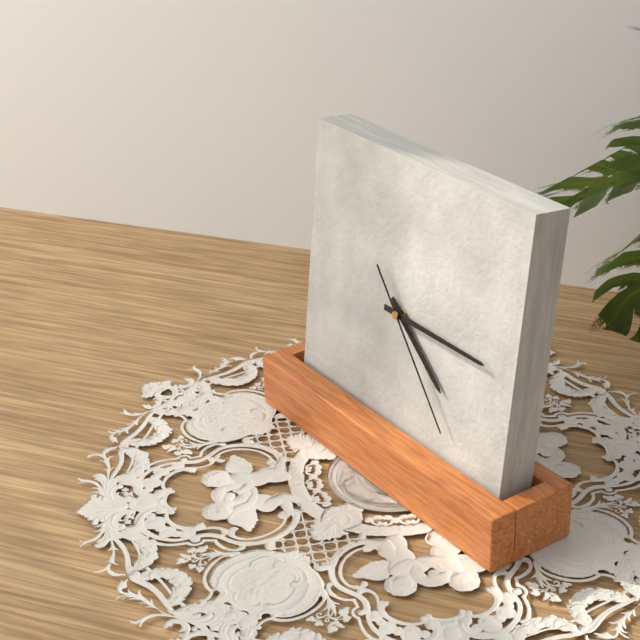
4:15:23
